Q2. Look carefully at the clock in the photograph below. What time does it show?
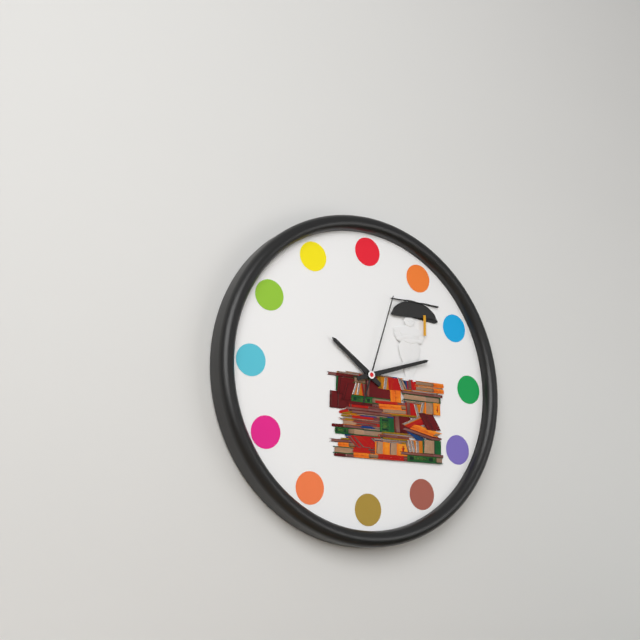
10:12:03
